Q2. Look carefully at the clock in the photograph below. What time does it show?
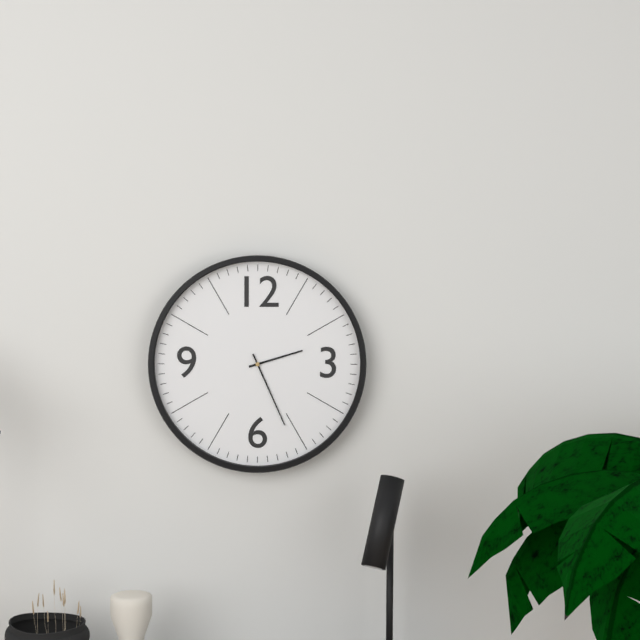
2:26
